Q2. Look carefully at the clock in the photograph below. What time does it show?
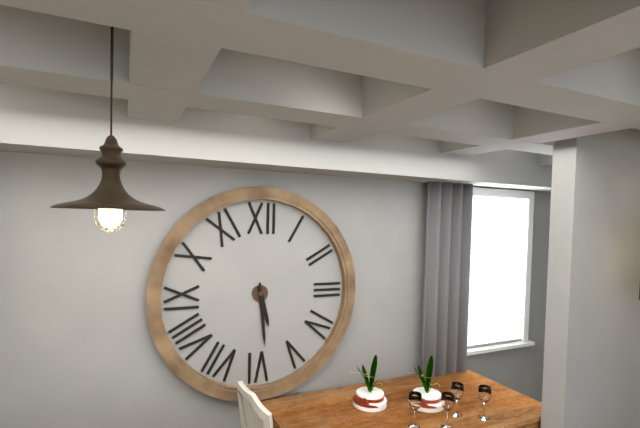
5:29
